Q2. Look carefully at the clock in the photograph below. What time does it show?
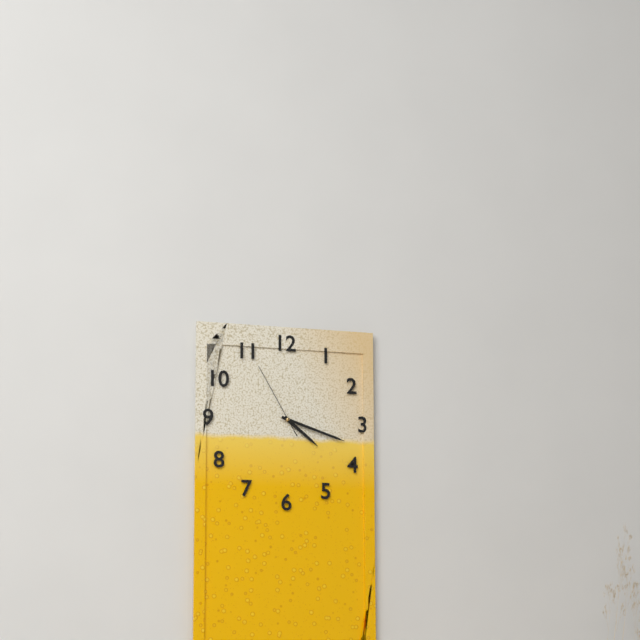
4:18:55
